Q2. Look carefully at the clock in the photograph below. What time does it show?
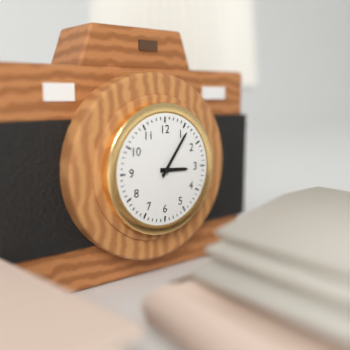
3:06
